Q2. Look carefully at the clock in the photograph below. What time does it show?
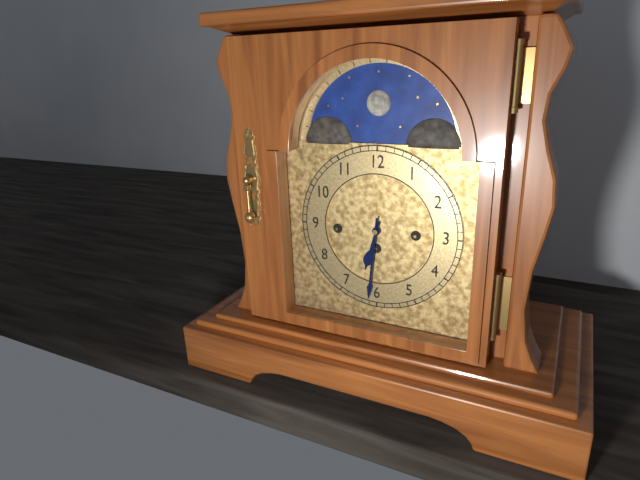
6:31
